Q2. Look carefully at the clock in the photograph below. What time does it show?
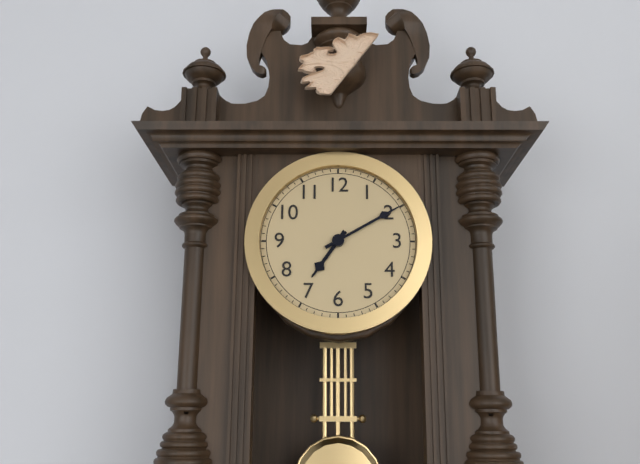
7:10
